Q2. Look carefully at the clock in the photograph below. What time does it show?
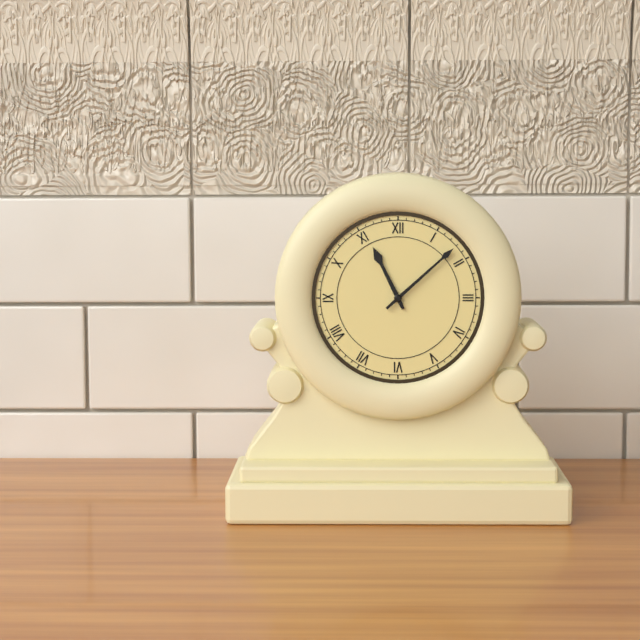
11:08
